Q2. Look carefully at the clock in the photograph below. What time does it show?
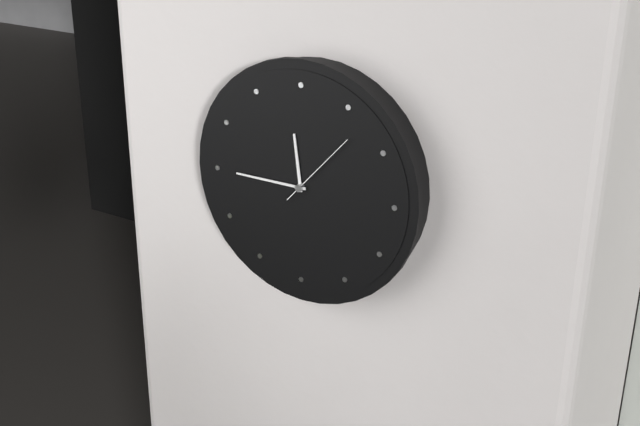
11:45:07
